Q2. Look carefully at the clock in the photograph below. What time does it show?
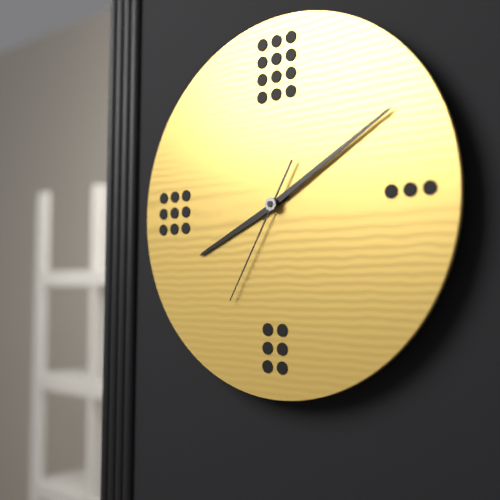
8:10:35
